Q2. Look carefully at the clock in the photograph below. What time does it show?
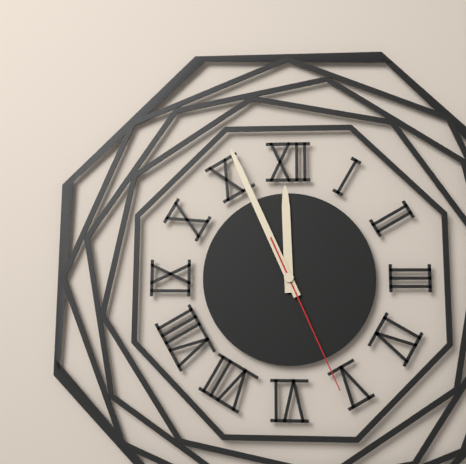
11:56:26
